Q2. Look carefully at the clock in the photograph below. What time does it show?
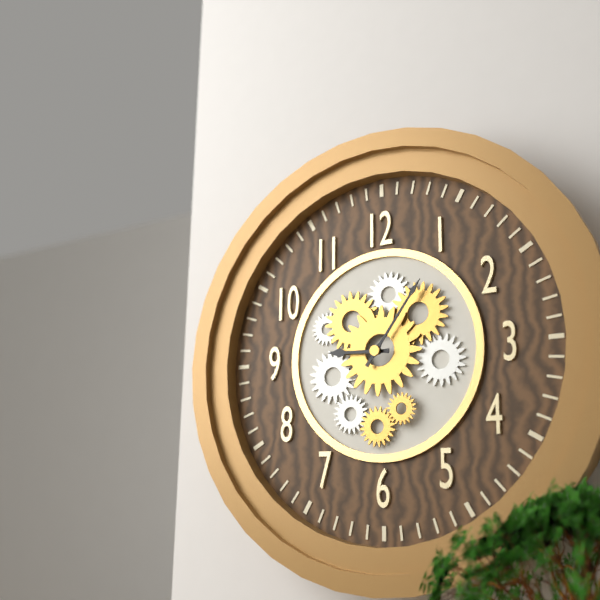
9:06
